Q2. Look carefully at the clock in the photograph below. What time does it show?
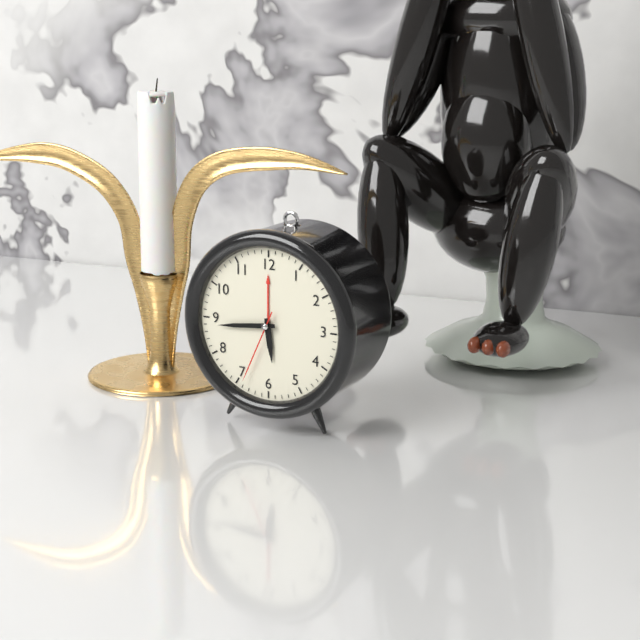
5:44:34
